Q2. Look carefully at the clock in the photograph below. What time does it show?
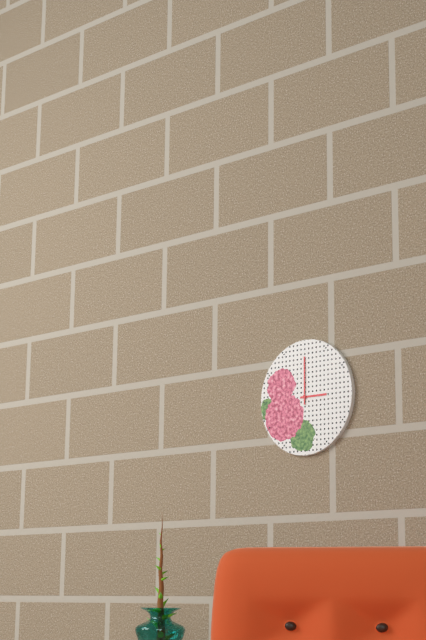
3:00
